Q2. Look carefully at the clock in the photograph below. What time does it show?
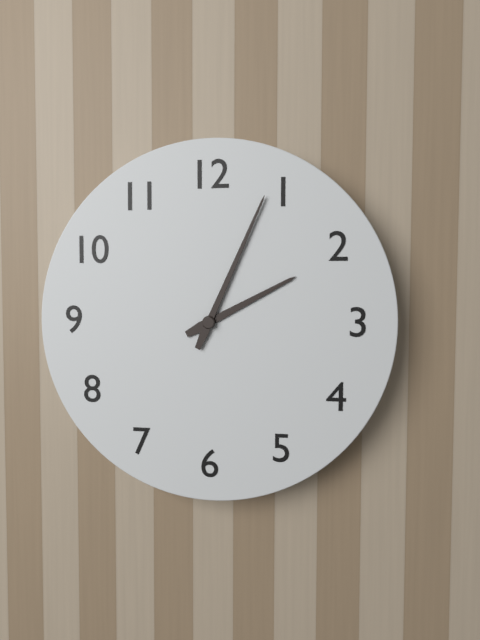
2:04
